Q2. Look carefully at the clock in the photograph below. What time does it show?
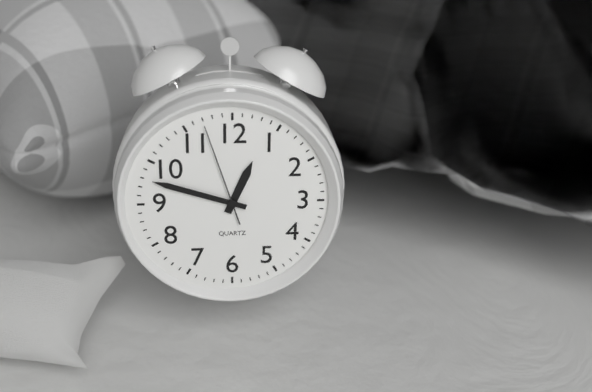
12:48:57
